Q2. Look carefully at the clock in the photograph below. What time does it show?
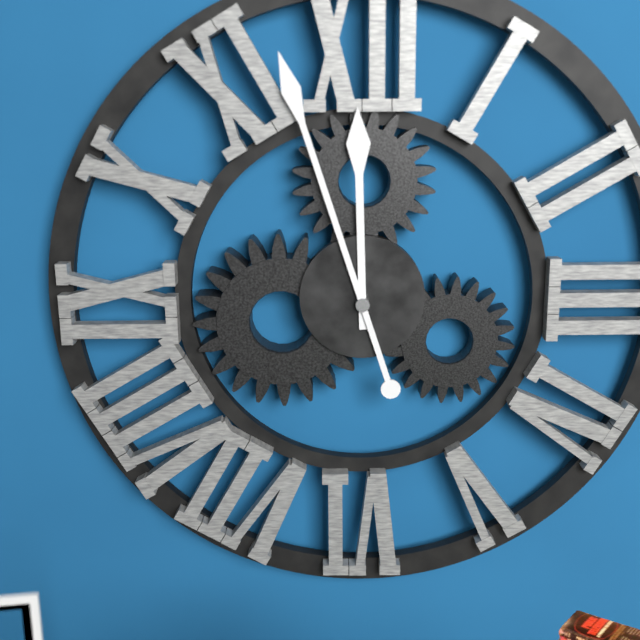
11:57
